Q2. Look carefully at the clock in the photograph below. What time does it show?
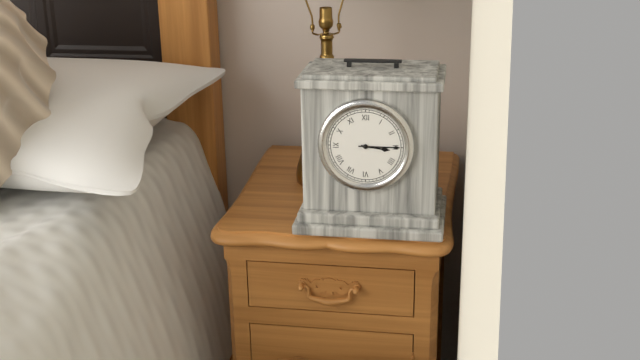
3:15
